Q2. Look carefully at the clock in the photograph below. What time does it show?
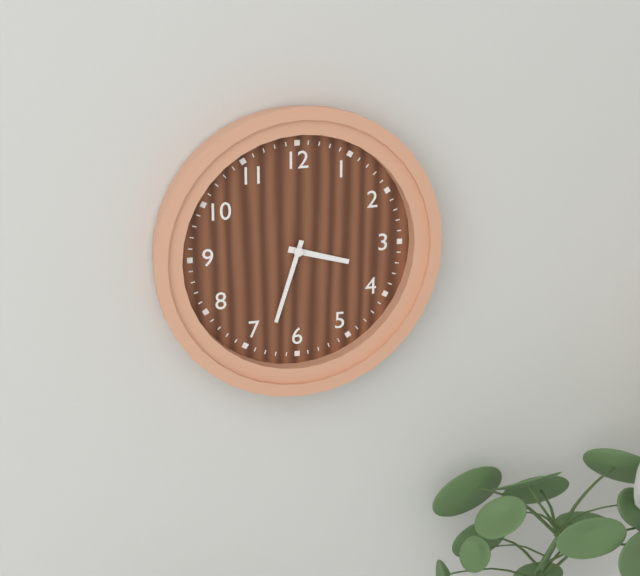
3:33
